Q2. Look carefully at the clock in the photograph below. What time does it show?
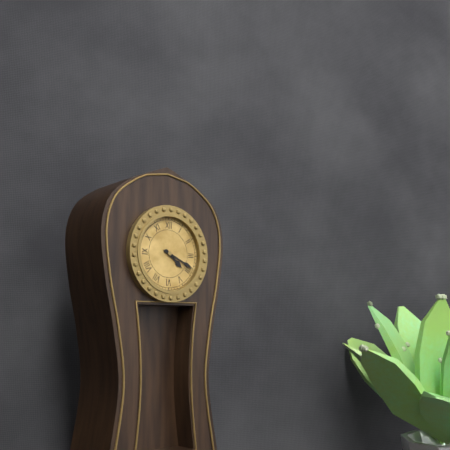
4:19
